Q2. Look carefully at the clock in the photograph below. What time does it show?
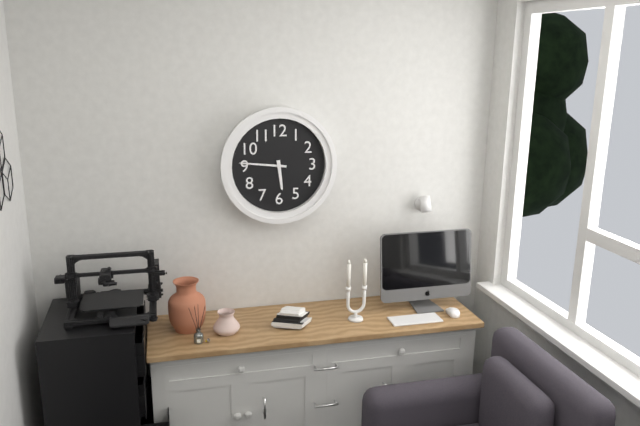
5:46
